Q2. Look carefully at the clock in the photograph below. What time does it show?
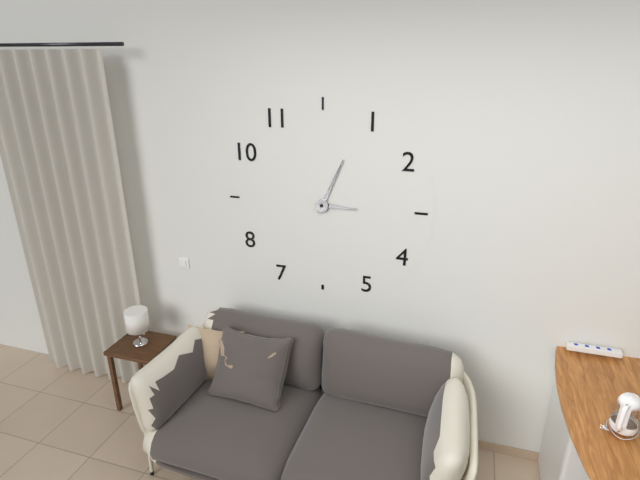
3:04
